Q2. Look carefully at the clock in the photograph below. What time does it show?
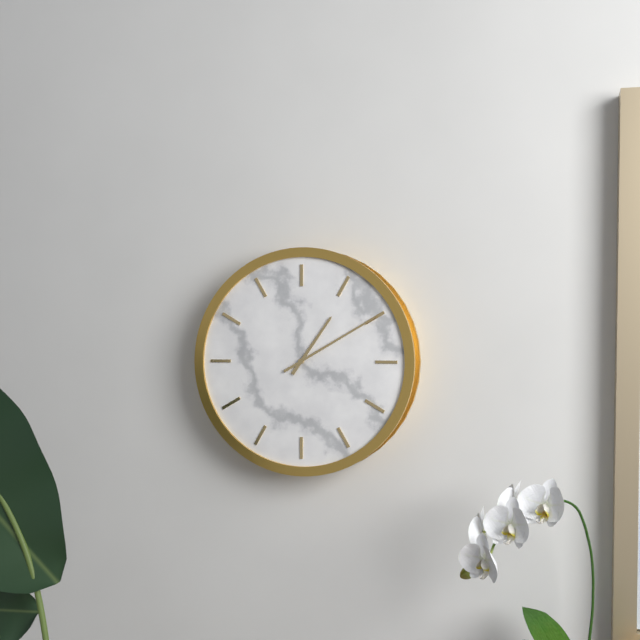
1:10
